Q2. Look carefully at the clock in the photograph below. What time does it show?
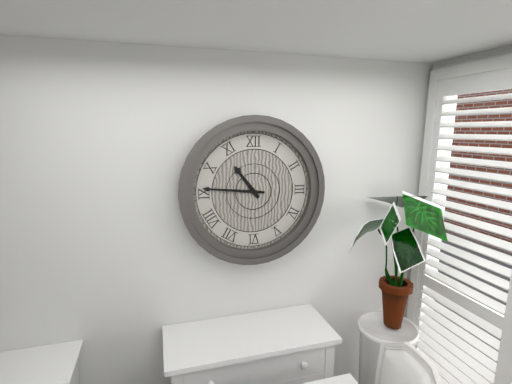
10:46
